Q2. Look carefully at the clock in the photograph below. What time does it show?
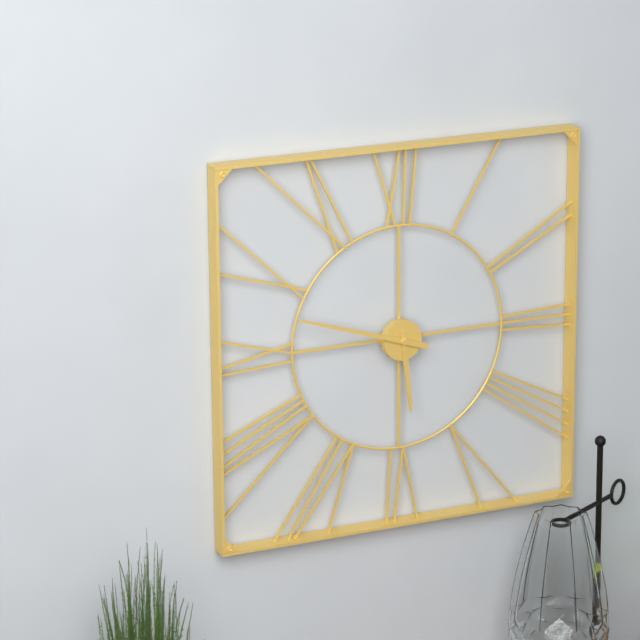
5:48
